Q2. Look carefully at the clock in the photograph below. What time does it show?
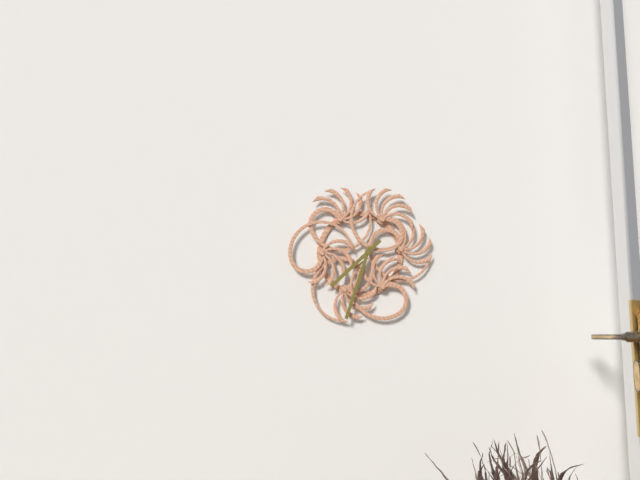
7:33
